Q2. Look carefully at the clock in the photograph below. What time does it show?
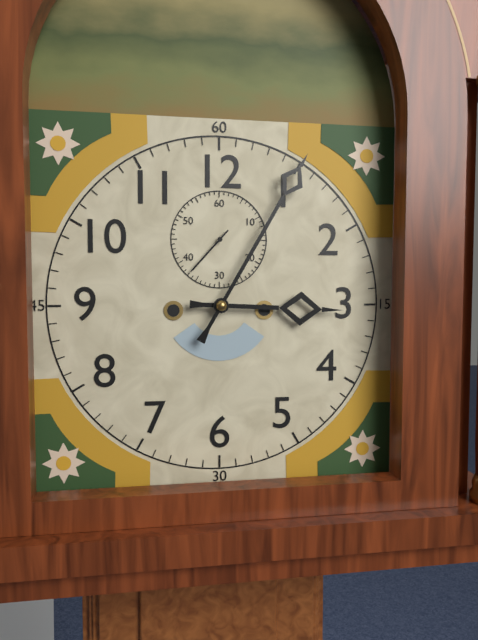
3:05:37
